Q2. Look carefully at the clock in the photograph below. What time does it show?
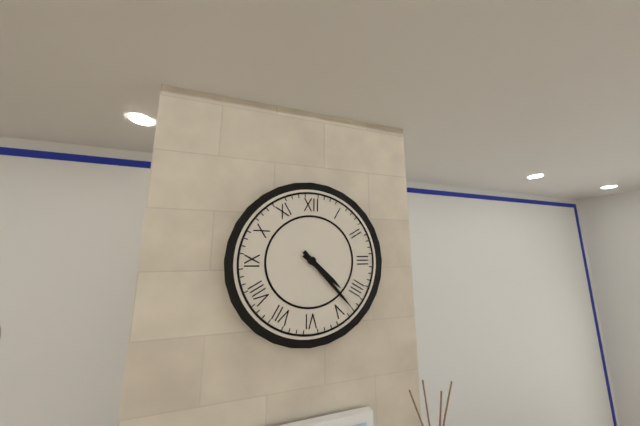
4:23
